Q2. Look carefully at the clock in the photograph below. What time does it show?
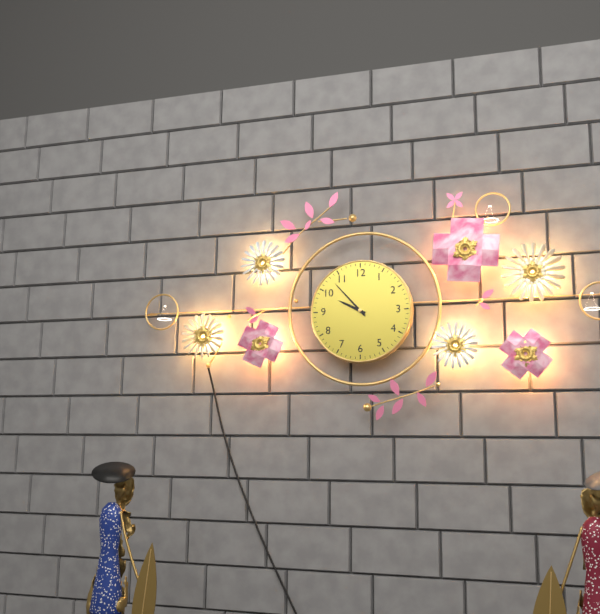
9:53
